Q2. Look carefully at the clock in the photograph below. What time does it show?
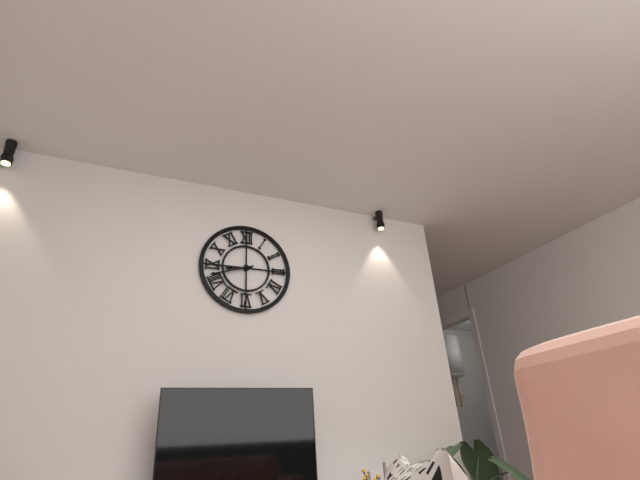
8:42
